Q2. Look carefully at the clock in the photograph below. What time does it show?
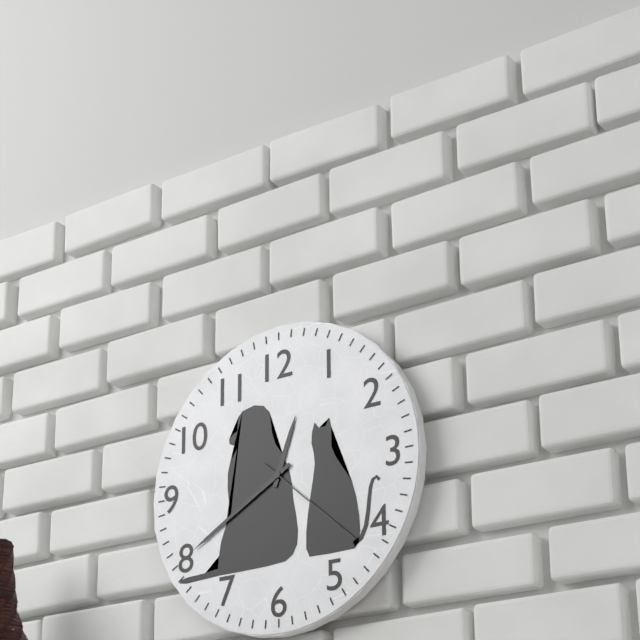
12:40:22
